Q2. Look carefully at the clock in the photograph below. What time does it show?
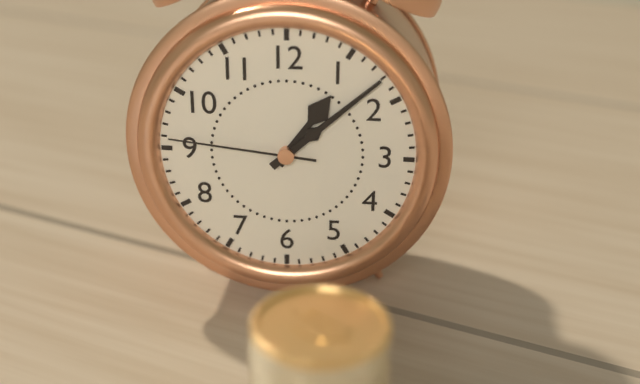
1:08:46
